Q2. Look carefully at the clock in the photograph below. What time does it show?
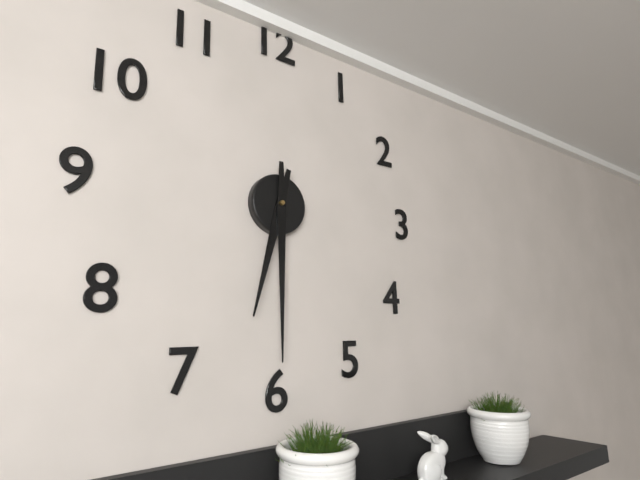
6:30
